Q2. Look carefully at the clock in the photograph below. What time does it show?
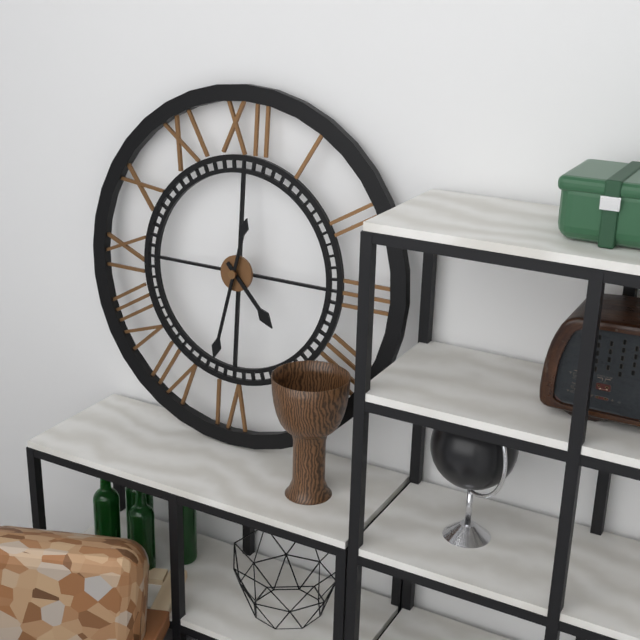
4:32
